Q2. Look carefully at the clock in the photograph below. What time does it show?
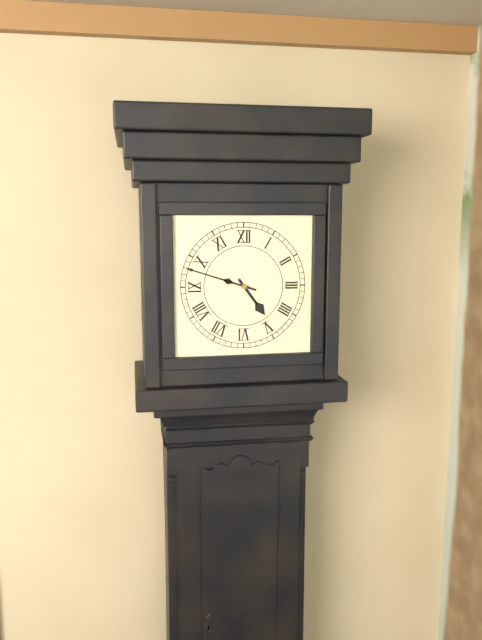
4:48
